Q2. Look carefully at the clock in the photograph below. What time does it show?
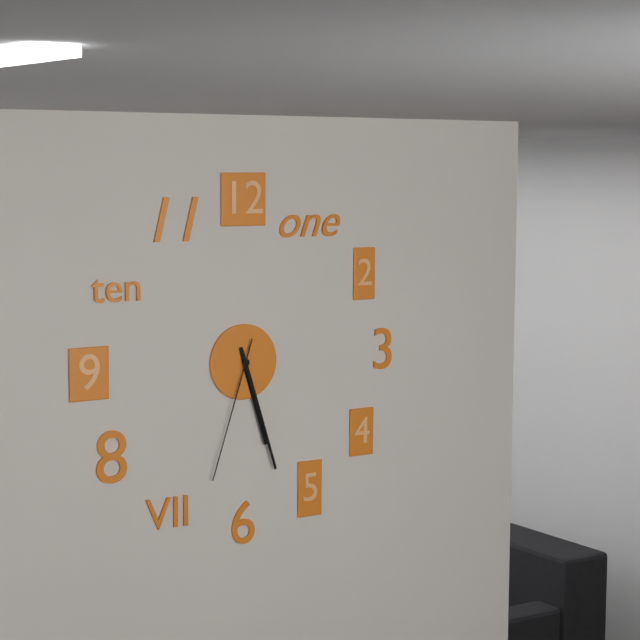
5:27:33
